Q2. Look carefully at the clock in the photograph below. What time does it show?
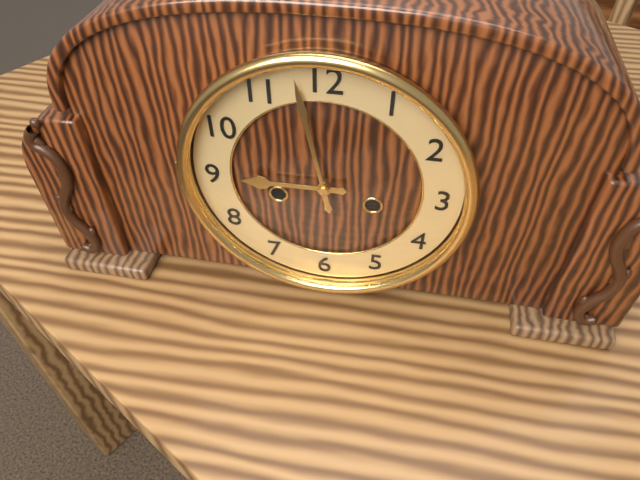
8:58
